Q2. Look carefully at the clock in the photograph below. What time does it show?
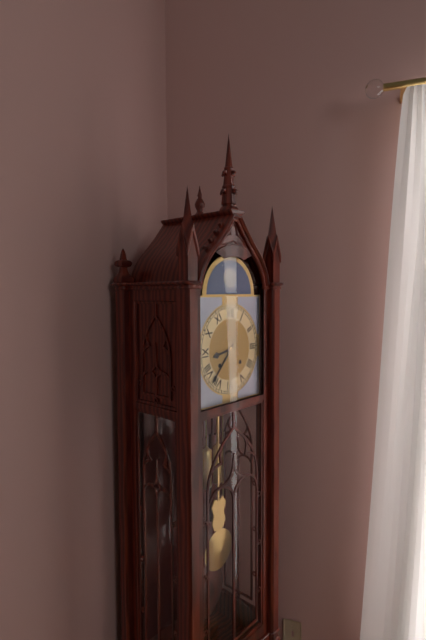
8:37
